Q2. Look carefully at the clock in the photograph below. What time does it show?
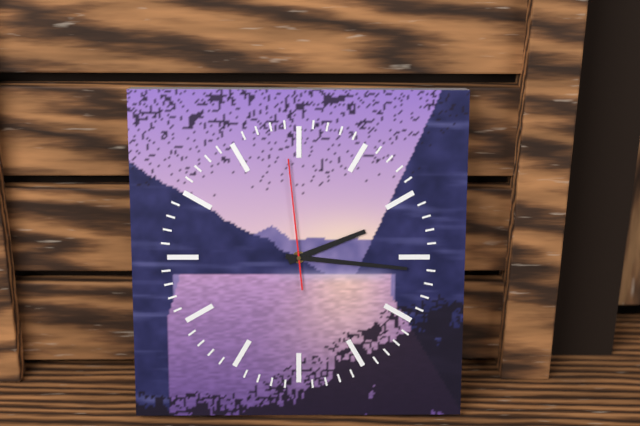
2:16:59
